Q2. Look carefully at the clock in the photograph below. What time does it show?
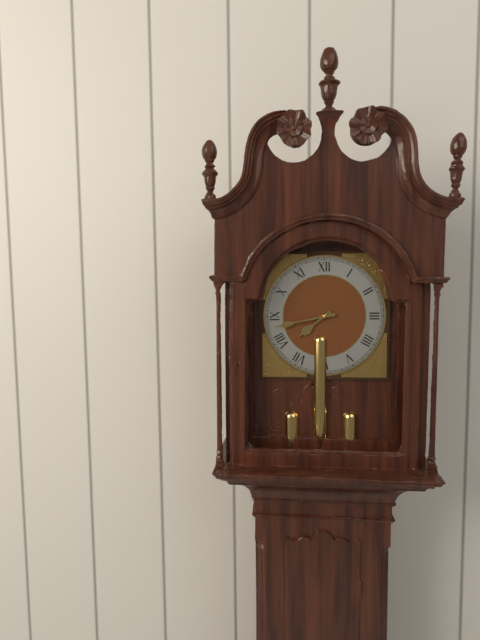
7:43
